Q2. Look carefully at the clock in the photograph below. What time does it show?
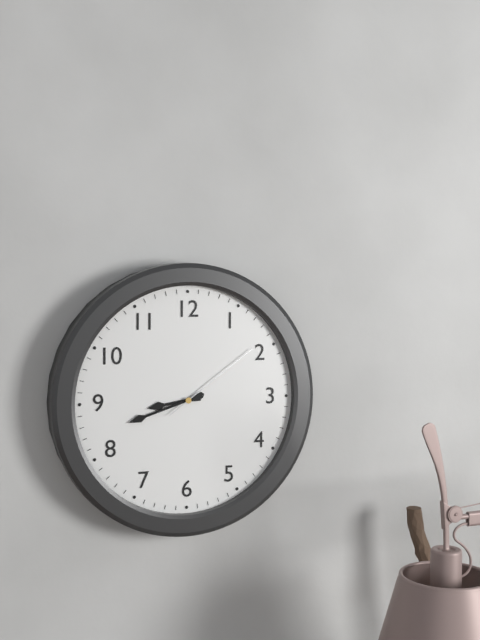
8:42:09
